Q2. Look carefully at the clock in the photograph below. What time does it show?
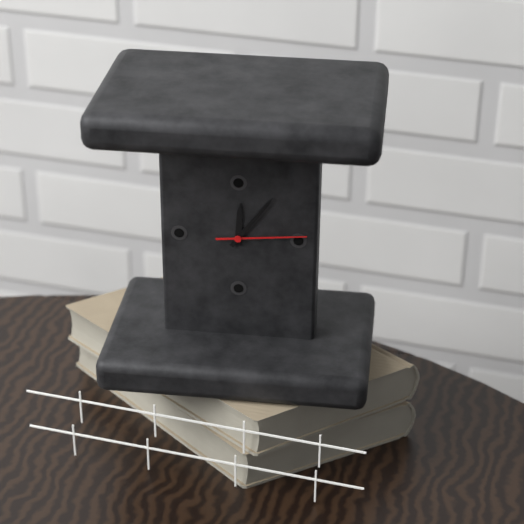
12:06:14
